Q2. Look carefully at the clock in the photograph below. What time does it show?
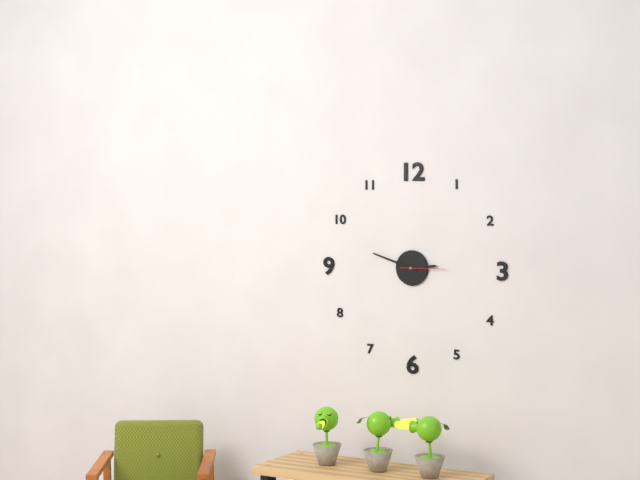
2:48
